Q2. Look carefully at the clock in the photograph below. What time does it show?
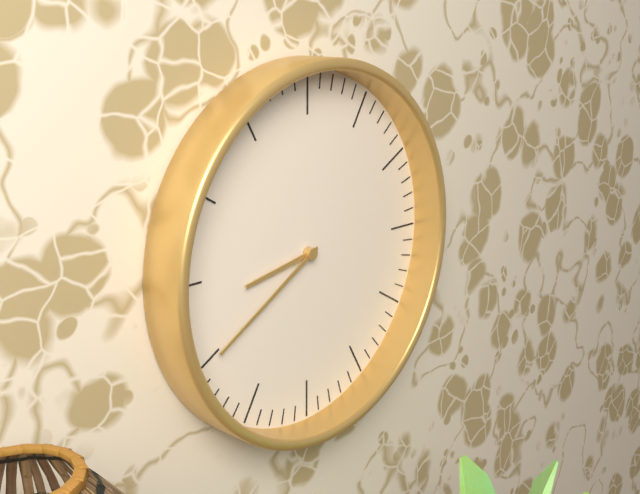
8:40
